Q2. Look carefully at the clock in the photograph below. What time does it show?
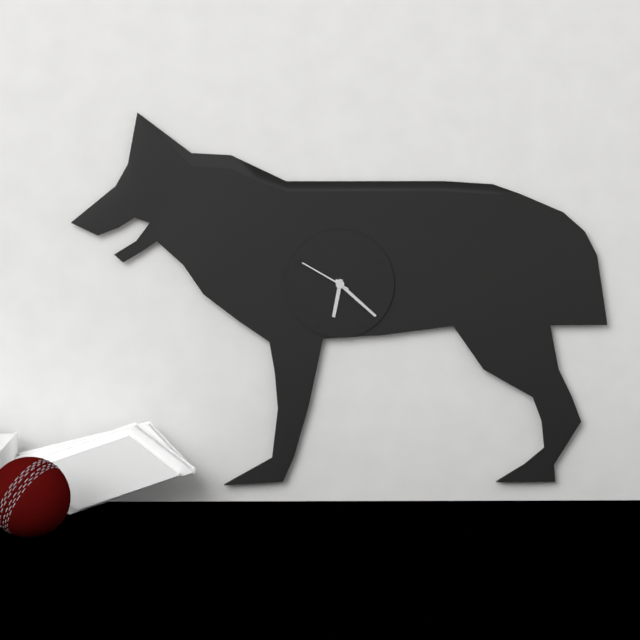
6:22:50
